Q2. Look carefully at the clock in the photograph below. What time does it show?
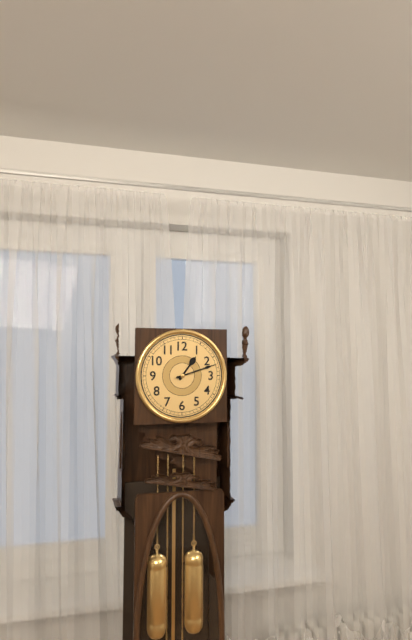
1:12
